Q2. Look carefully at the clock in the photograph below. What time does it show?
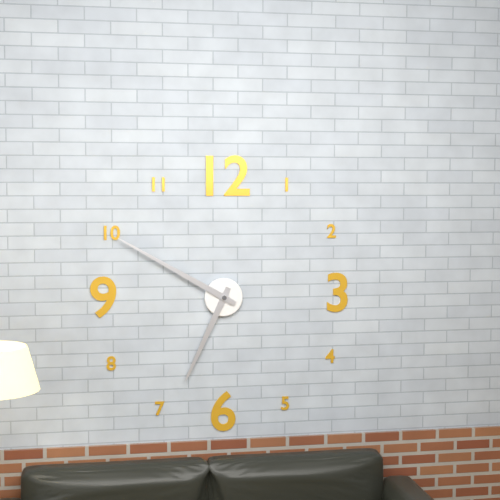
6:50
